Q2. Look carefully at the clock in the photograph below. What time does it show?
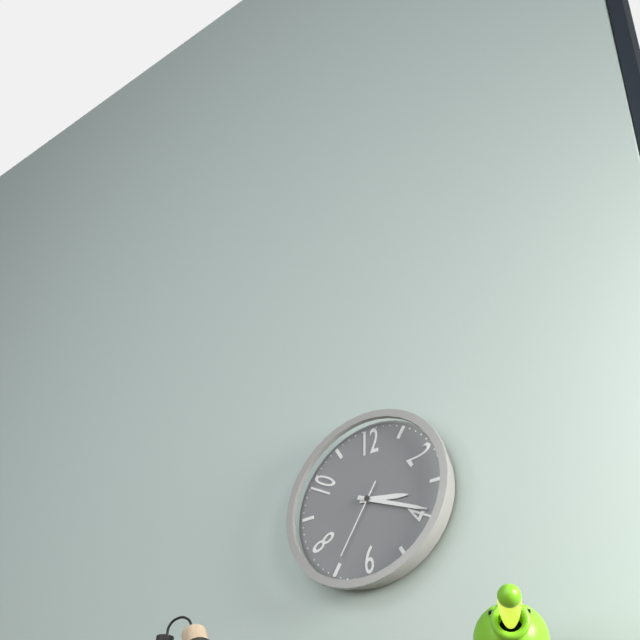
3:19:35
